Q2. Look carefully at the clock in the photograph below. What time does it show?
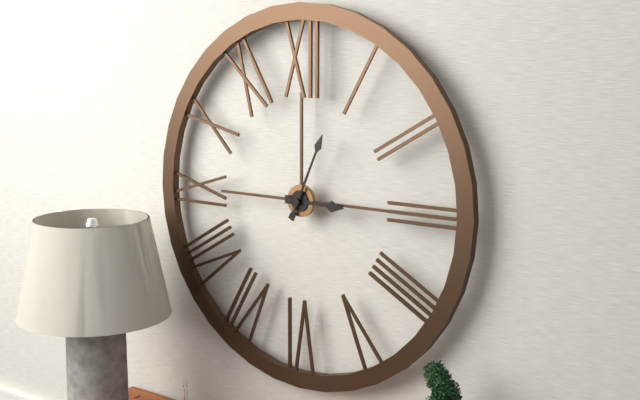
3:04
